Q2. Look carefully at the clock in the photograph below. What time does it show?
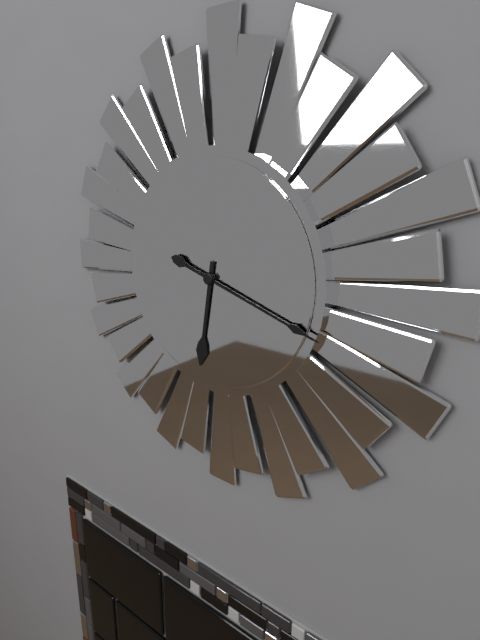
6:18
